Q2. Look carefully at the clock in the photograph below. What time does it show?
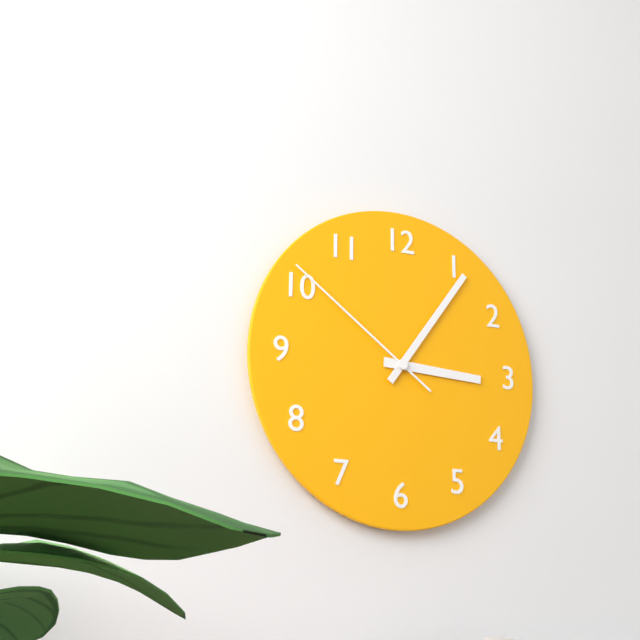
3:06:51
